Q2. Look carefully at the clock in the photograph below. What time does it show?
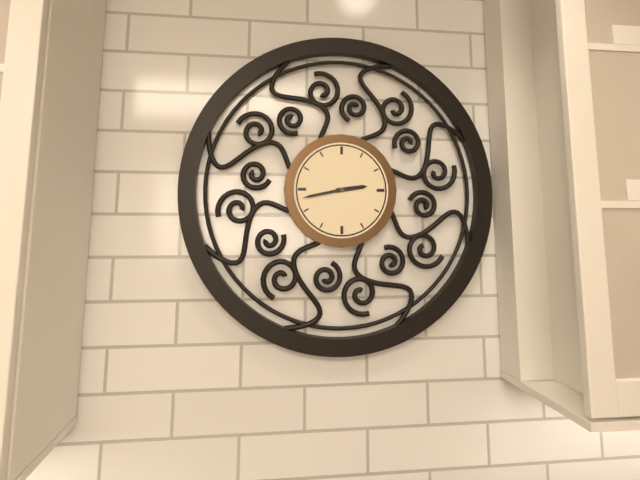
2:43
